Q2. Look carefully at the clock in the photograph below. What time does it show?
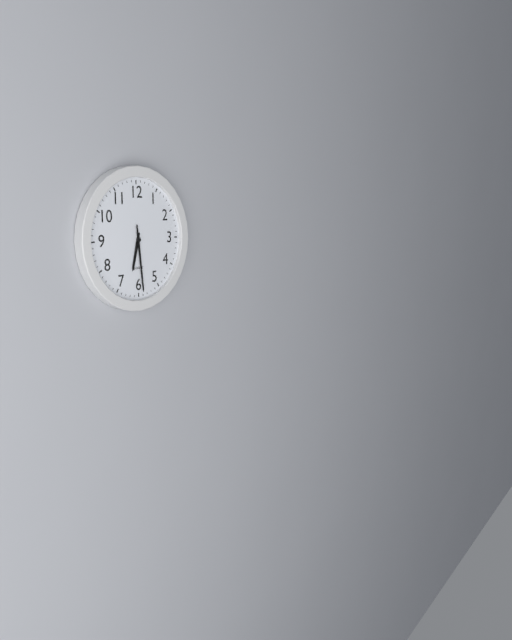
6:29
